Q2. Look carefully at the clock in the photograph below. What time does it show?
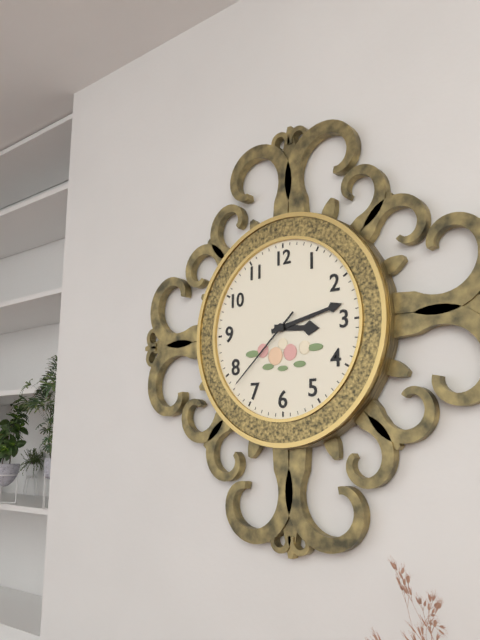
3:13:38
